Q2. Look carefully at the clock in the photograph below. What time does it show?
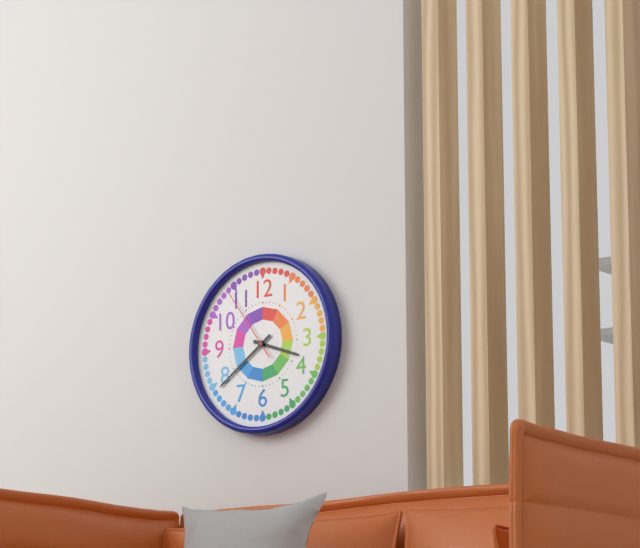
3:39:54
